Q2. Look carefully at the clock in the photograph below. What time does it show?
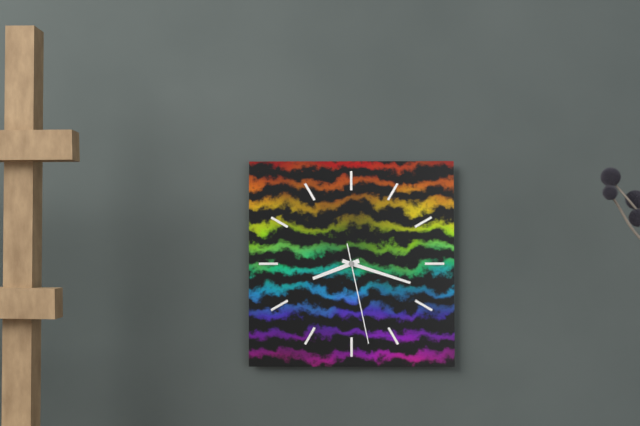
8:18:28
